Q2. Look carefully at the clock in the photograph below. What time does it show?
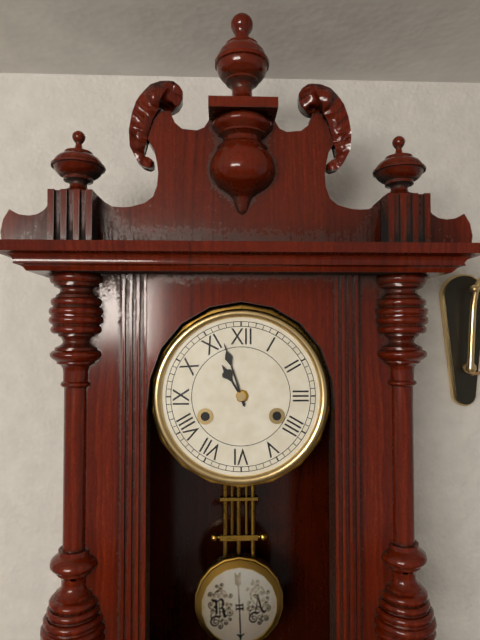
10:57
